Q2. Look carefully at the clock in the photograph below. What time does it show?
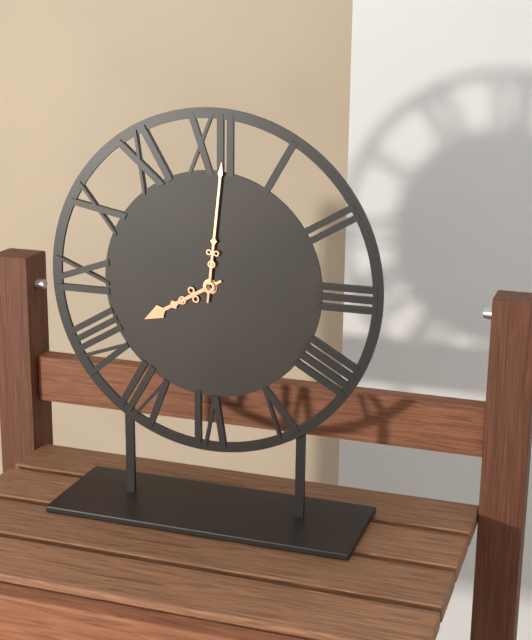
8:01
